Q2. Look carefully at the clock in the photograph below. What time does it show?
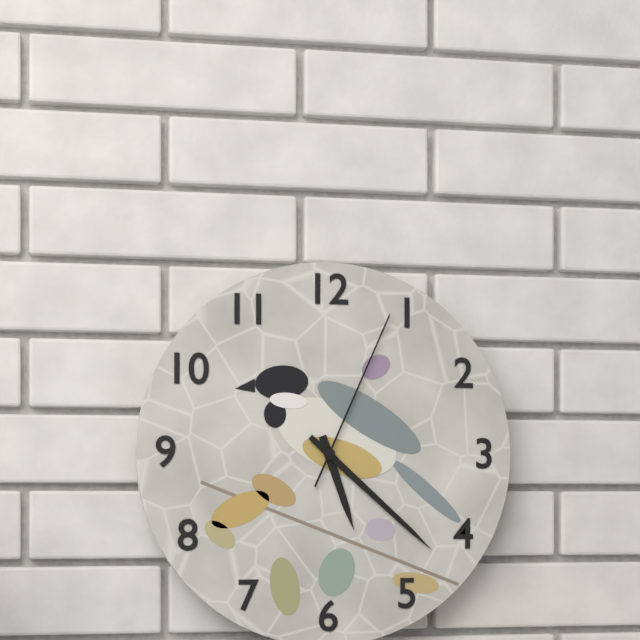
5:22:04
